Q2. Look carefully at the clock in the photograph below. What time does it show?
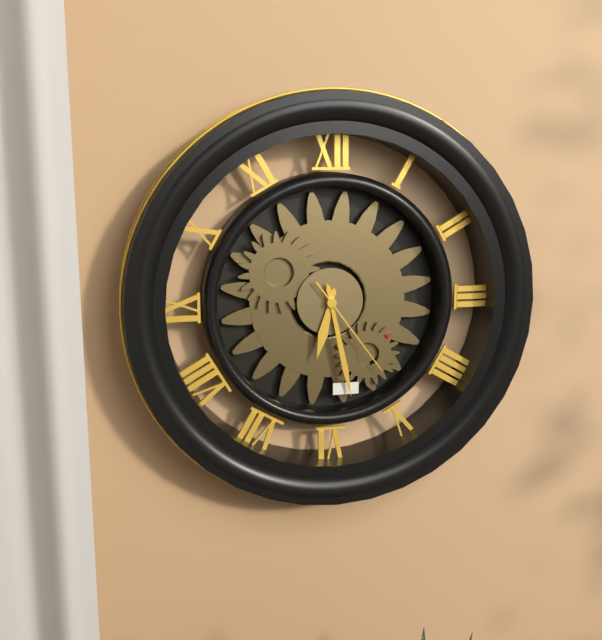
6:28:24
